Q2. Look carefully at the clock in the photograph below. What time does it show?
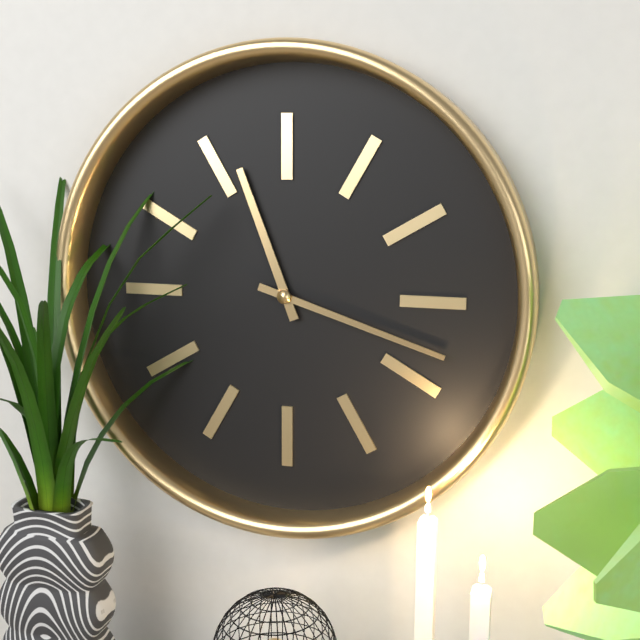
11:18
